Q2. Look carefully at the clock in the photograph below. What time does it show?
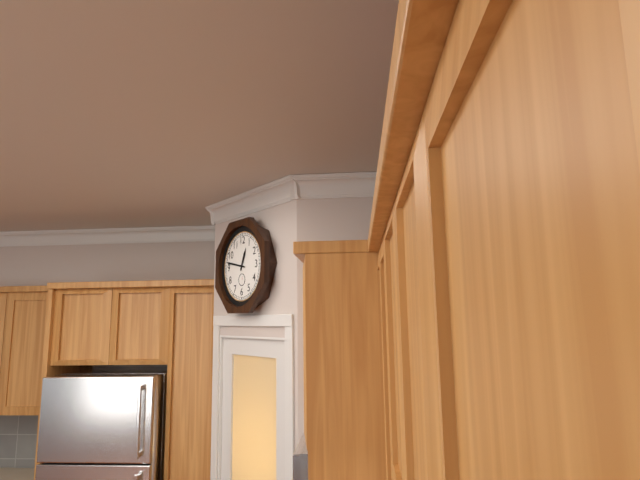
12:47
